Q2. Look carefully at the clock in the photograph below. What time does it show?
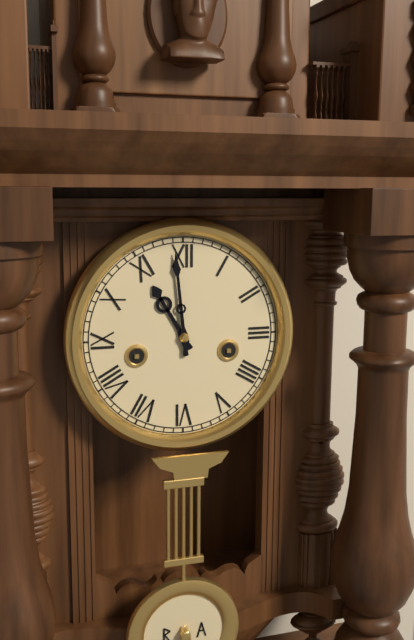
10:59
